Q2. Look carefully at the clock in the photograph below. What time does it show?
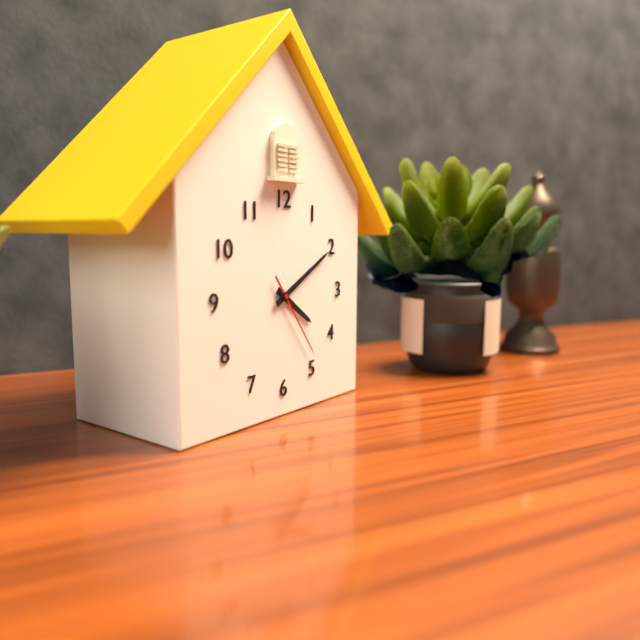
4:10:24
